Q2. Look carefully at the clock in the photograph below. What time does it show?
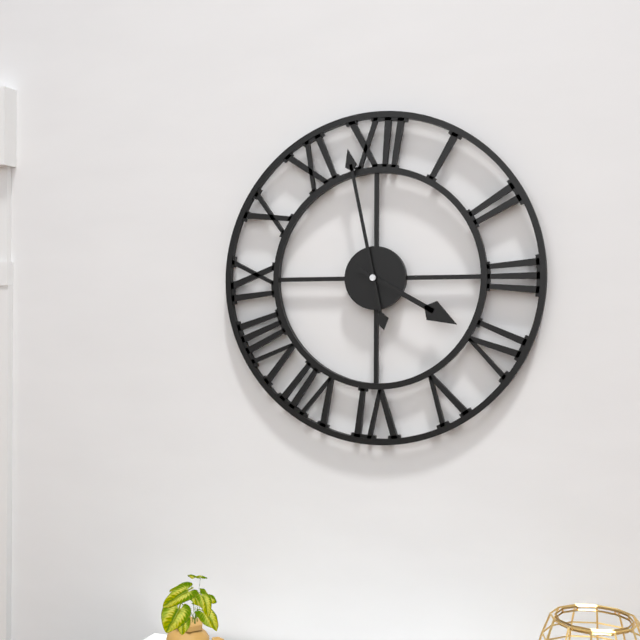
3:58
